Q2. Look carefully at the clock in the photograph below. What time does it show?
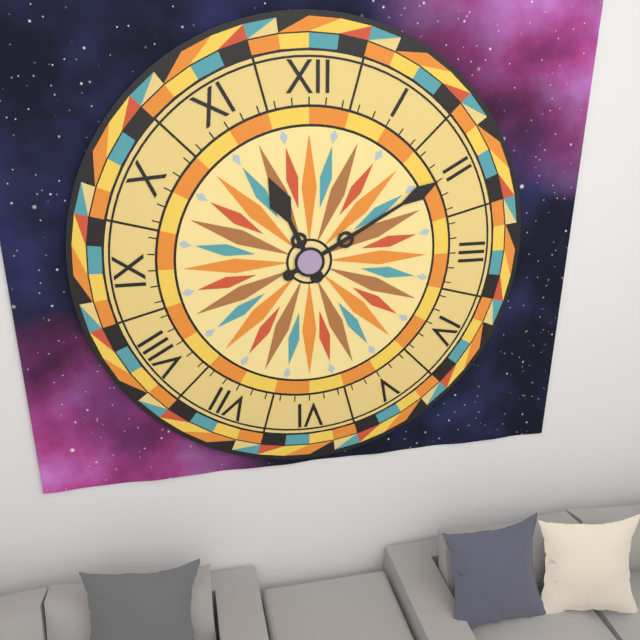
11:10
